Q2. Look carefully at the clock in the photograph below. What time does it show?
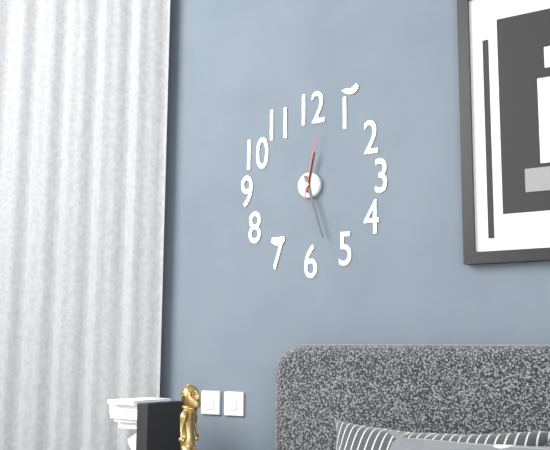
12:27:02
